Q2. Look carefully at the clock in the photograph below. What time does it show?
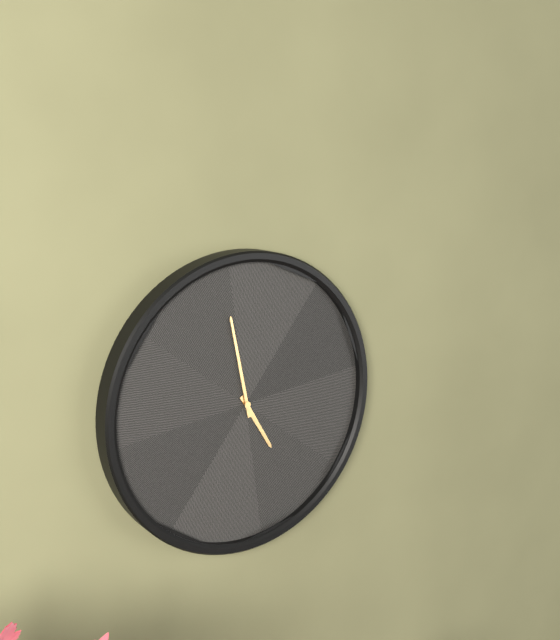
4:58
